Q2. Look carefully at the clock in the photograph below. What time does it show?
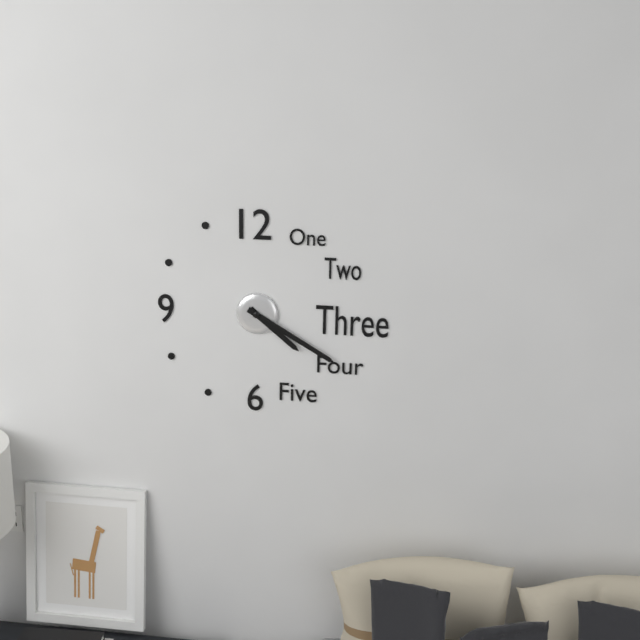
4:20
